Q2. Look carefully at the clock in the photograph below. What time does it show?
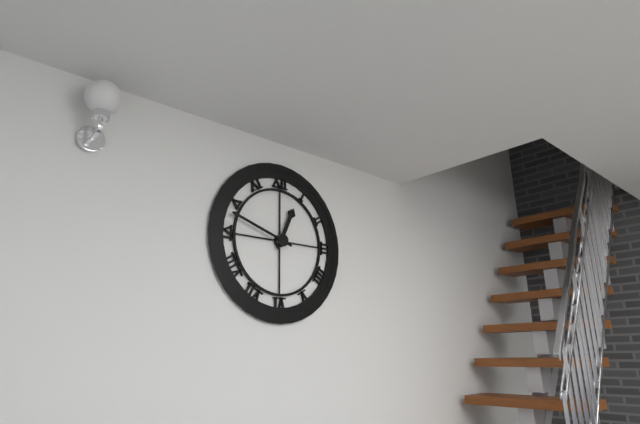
12:48
